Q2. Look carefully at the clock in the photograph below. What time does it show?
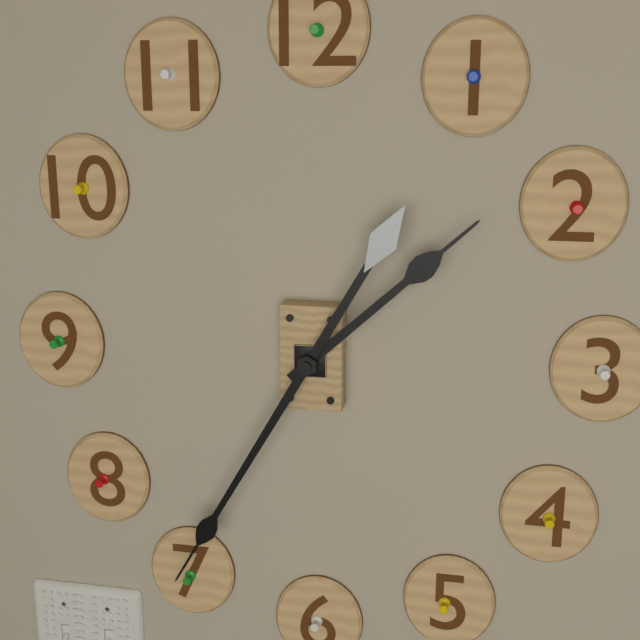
1:35
